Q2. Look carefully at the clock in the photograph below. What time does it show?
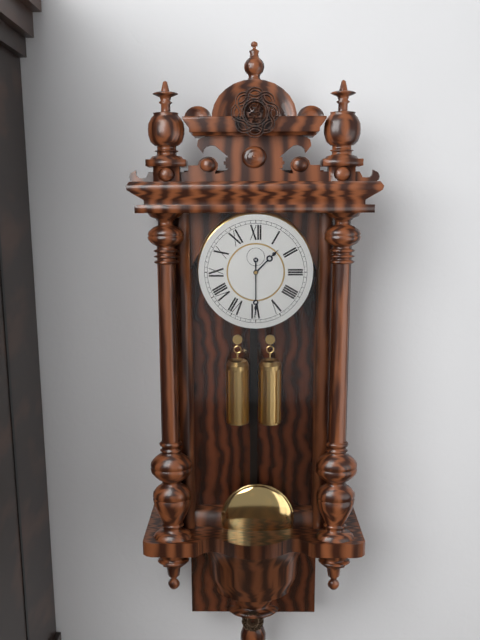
1:30
